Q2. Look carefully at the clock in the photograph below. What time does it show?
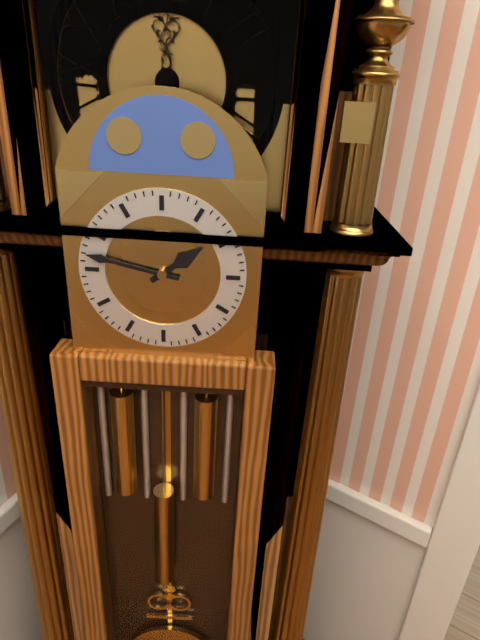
1:47
